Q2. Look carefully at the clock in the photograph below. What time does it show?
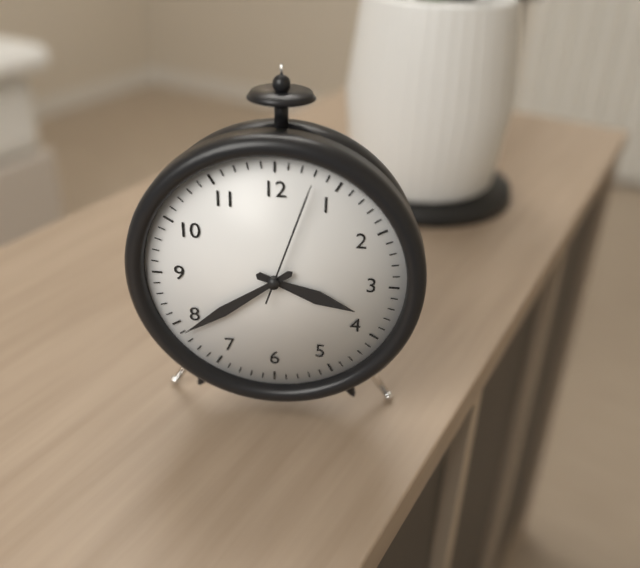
3:39:03
